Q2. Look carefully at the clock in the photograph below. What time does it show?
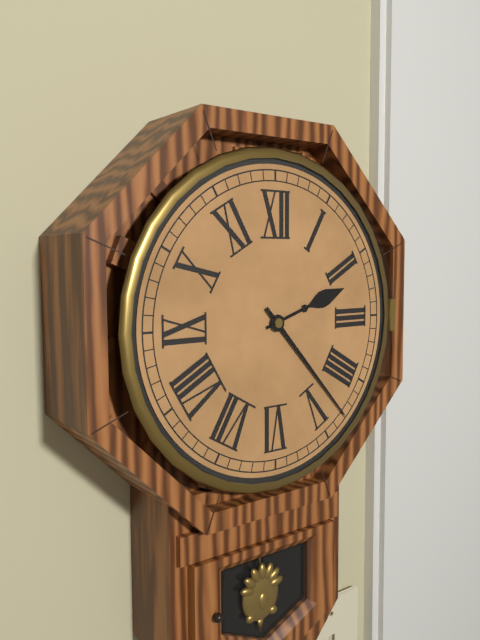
2:23
